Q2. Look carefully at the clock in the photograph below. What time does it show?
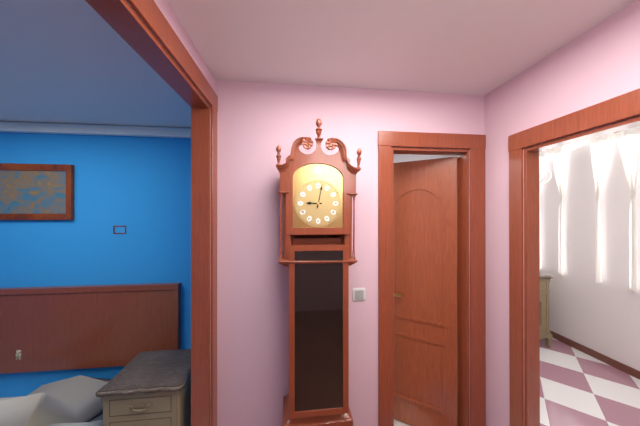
9:02
